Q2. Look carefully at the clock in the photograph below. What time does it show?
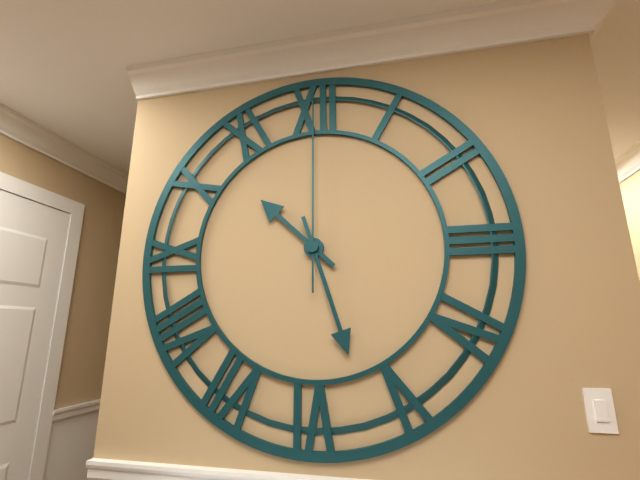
10:27:00
